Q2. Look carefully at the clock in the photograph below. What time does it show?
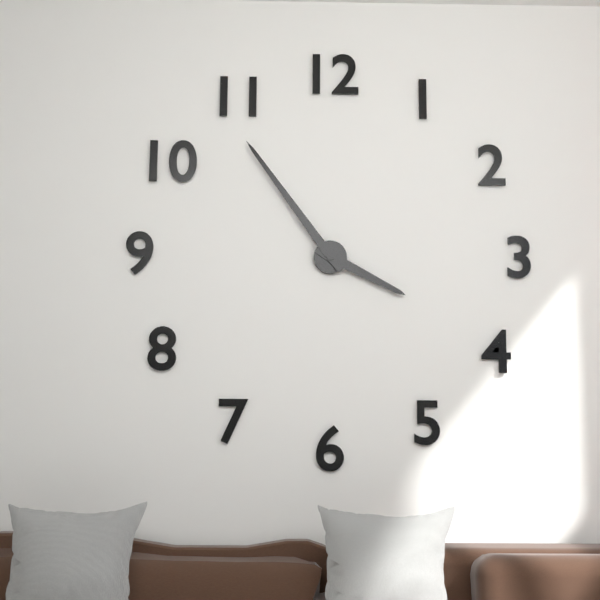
3:54
